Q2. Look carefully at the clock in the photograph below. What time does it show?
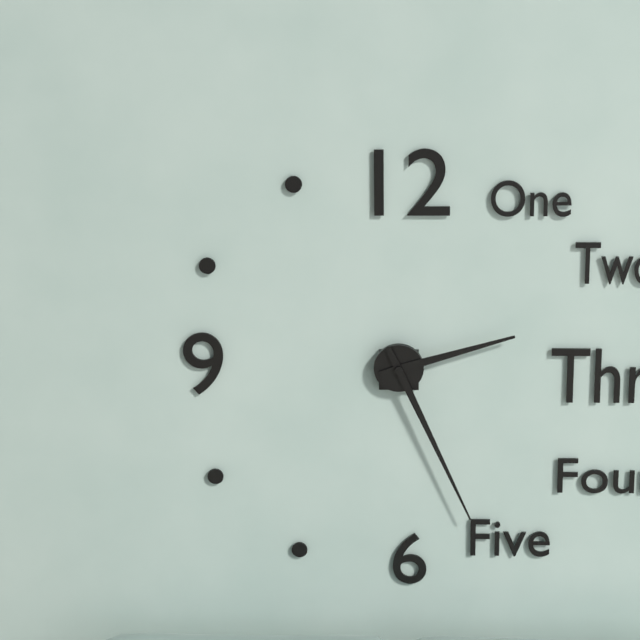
2:26
